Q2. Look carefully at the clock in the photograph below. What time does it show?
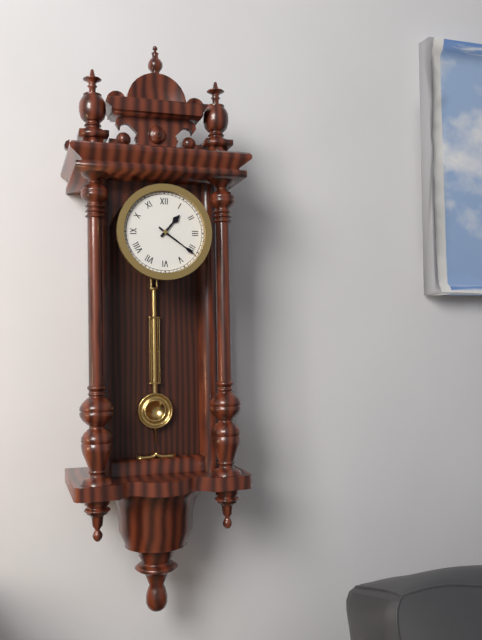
1:21
